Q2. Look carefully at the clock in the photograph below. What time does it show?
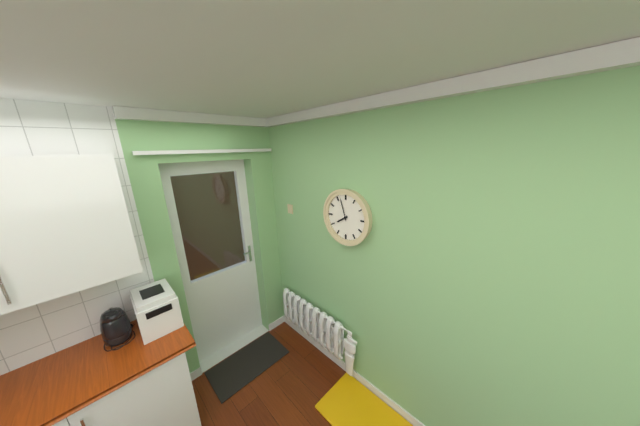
7:57
